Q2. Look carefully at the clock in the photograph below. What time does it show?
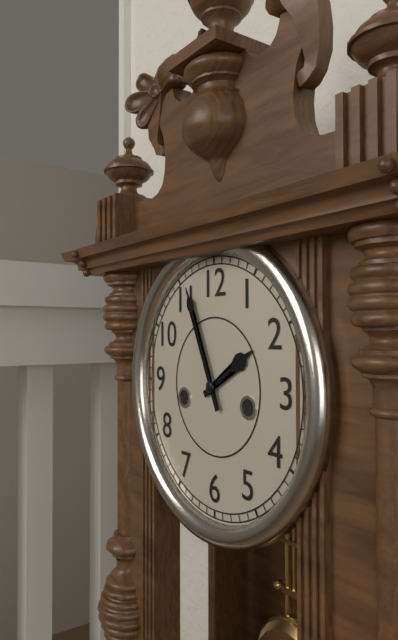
1:56
